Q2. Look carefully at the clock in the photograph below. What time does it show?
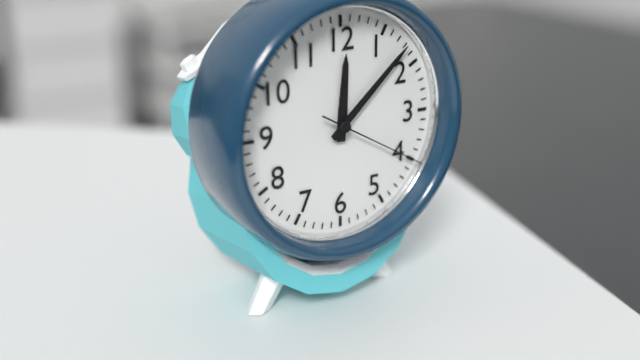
12:08:20
